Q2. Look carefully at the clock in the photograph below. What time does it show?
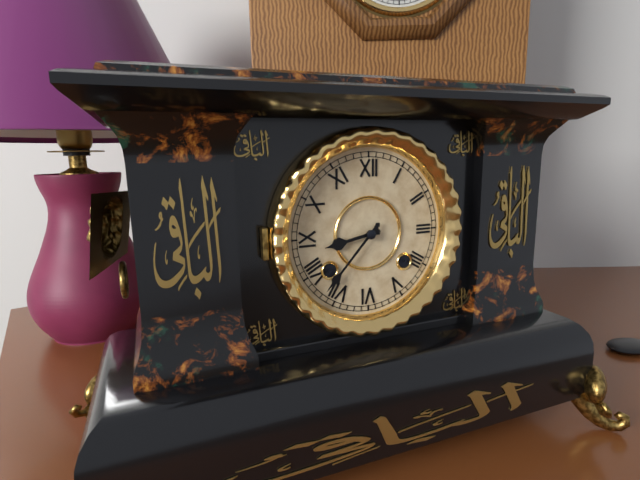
8:37
